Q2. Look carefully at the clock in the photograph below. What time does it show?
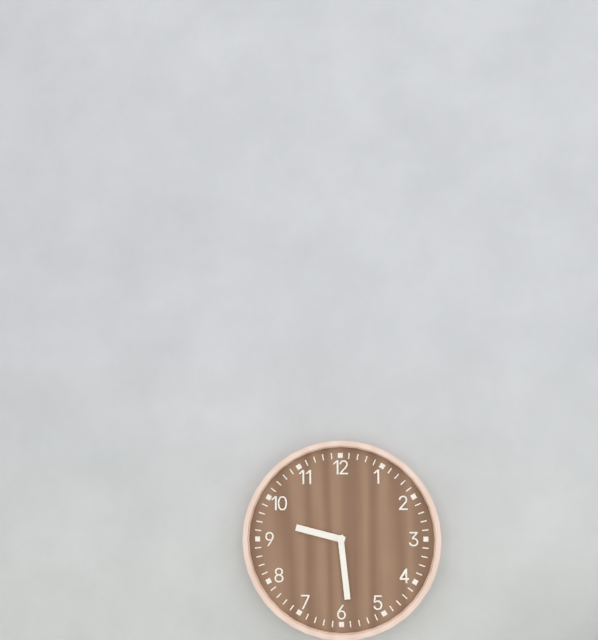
9:29
